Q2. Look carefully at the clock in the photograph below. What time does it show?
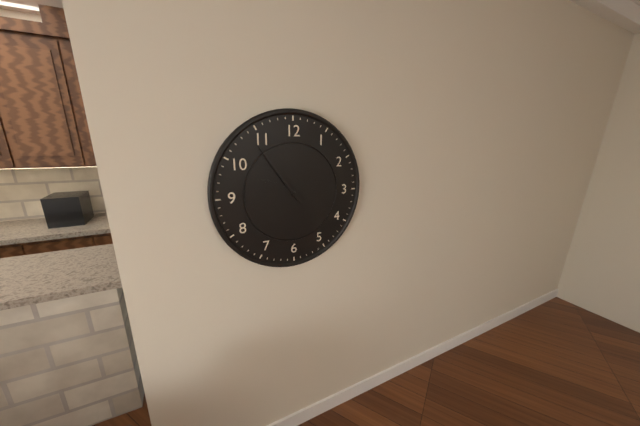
9:54
